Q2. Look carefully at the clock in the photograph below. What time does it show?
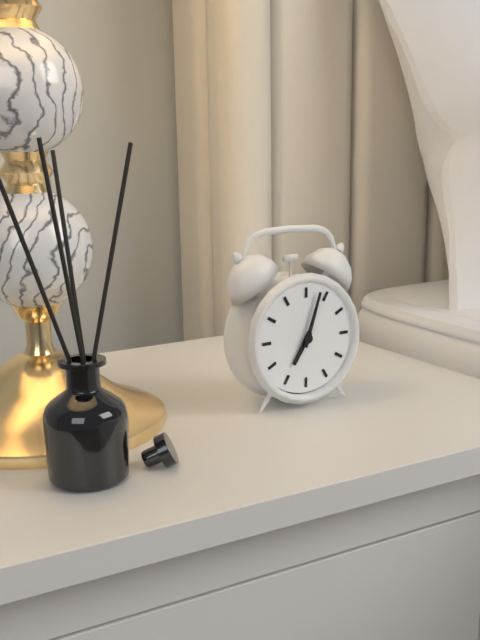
7:03
